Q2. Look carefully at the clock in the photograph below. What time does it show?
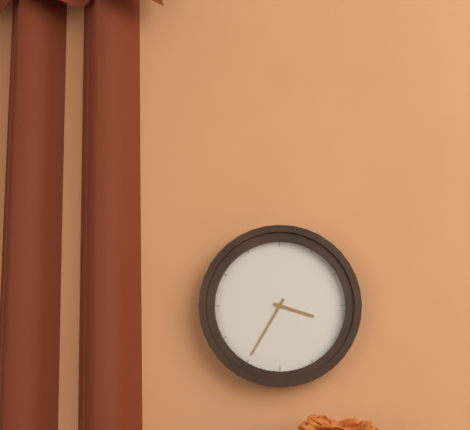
3:35
